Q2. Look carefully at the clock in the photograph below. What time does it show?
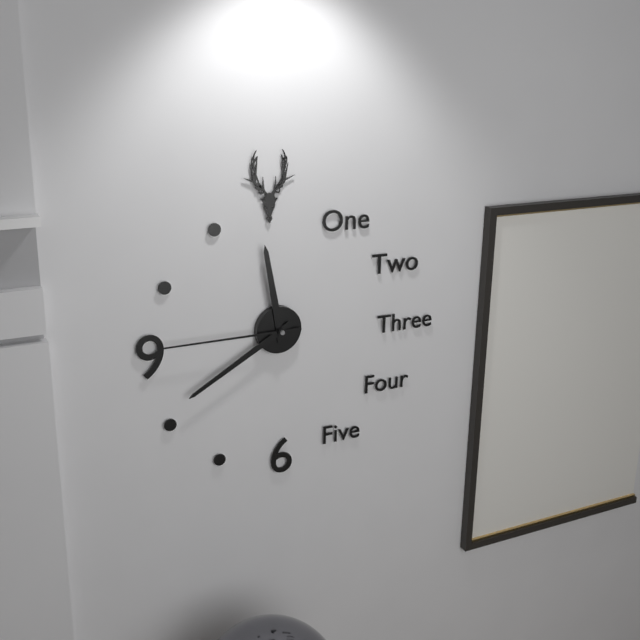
11:40:45
